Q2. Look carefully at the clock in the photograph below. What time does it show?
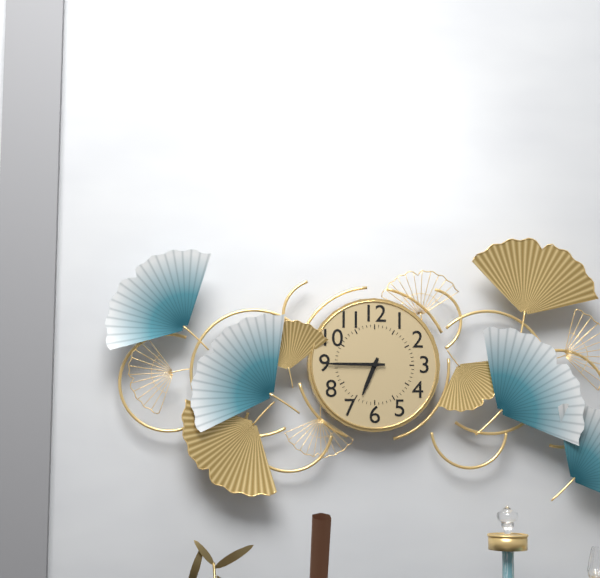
6:45
